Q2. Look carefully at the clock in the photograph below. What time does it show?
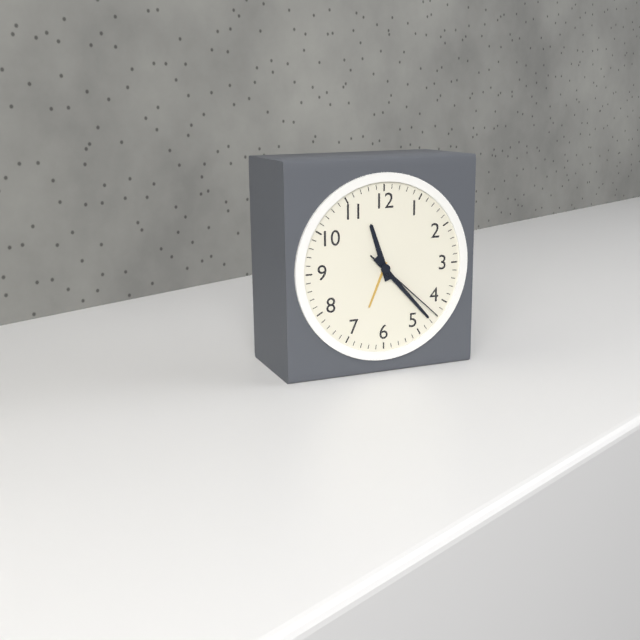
11:23:22
